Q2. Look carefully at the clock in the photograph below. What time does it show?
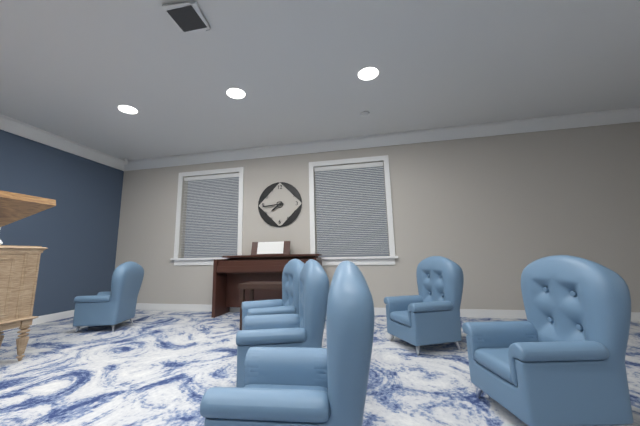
7:44
